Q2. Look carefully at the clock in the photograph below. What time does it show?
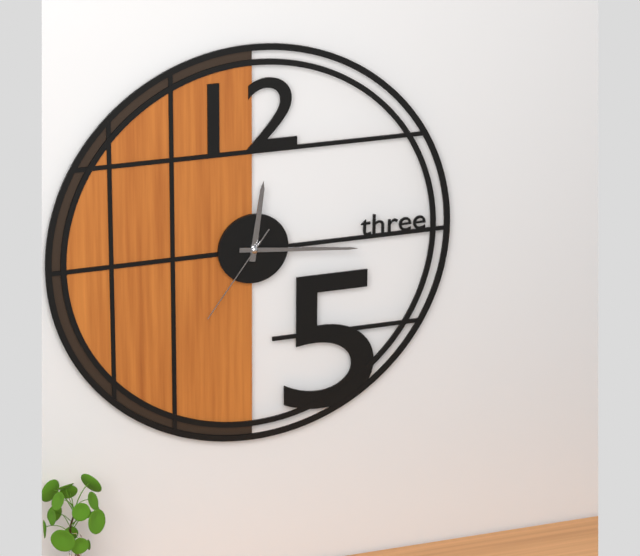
12:16:36
